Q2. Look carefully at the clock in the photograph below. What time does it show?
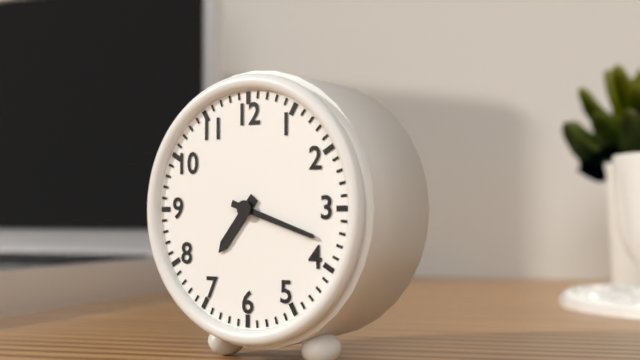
7:18
